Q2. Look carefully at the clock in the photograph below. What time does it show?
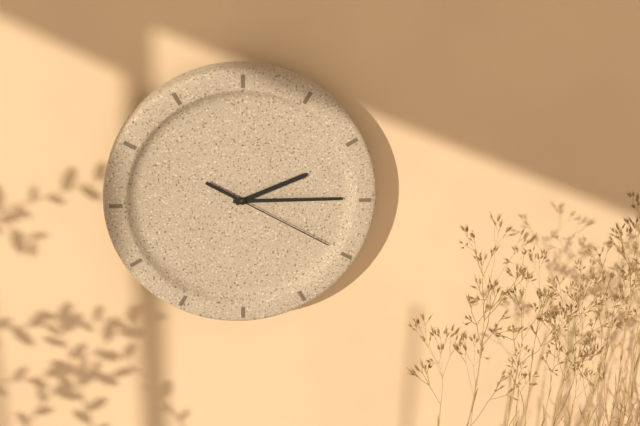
2:15:20
